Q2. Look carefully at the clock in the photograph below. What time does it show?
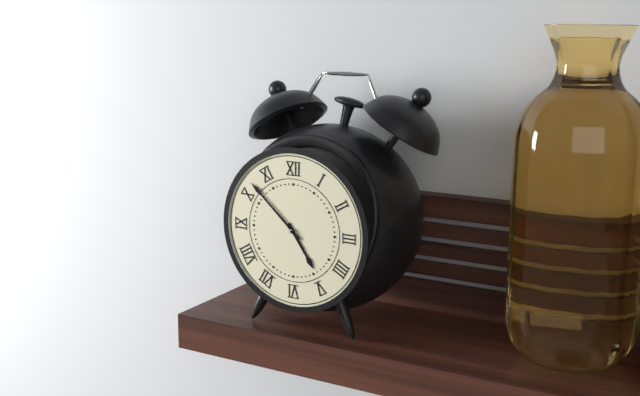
4:52
